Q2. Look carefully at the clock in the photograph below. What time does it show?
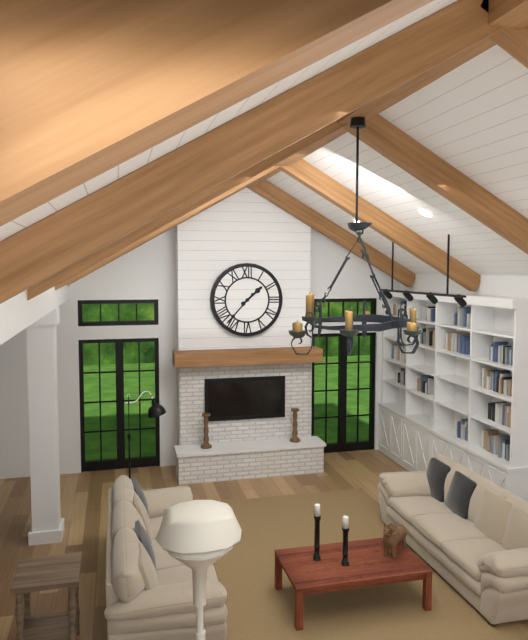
1:37
